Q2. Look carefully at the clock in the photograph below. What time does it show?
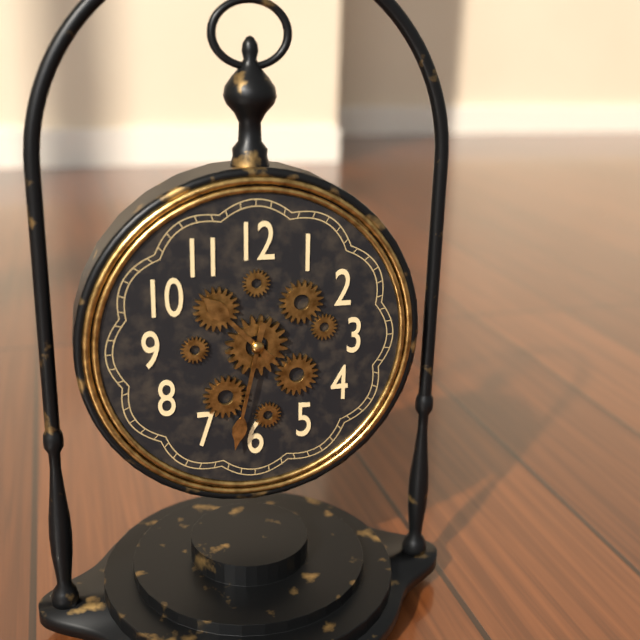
10:32
